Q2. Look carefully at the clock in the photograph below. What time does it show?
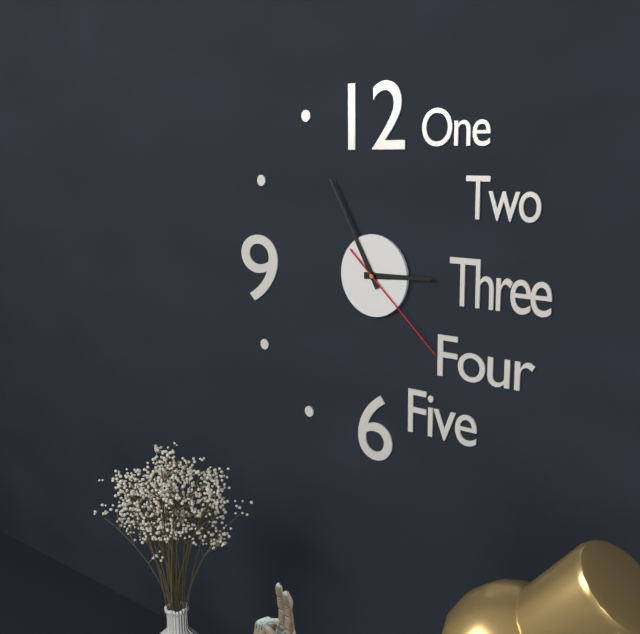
2:55:22
